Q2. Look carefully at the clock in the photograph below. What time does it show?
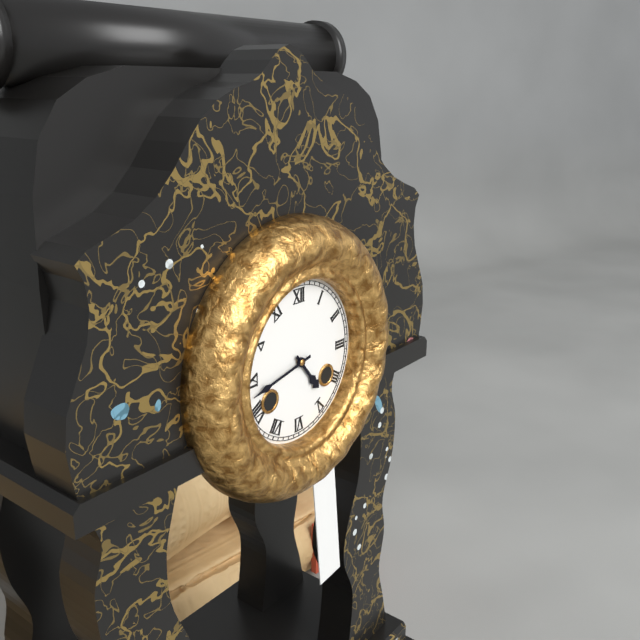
4:43
